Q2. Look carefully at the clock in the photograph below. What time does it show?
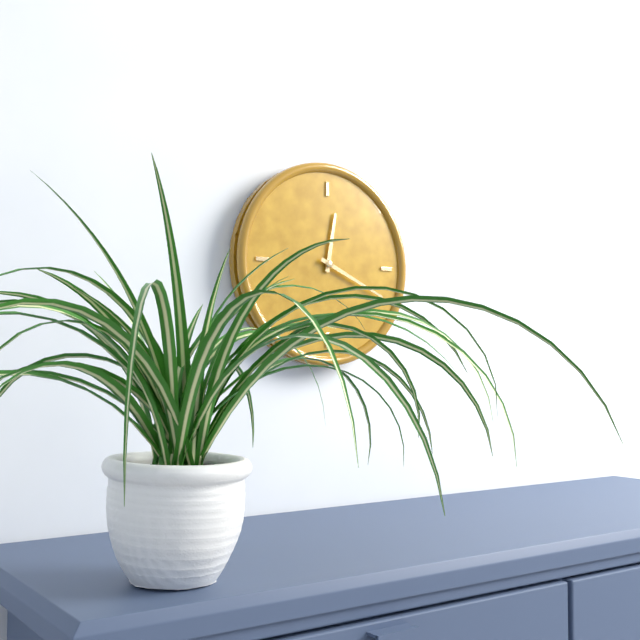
12:19
